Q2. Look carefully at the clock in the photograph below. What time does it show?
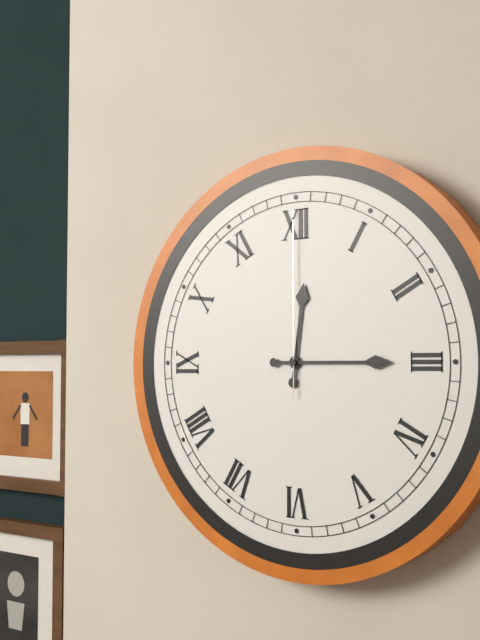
12:15:00
